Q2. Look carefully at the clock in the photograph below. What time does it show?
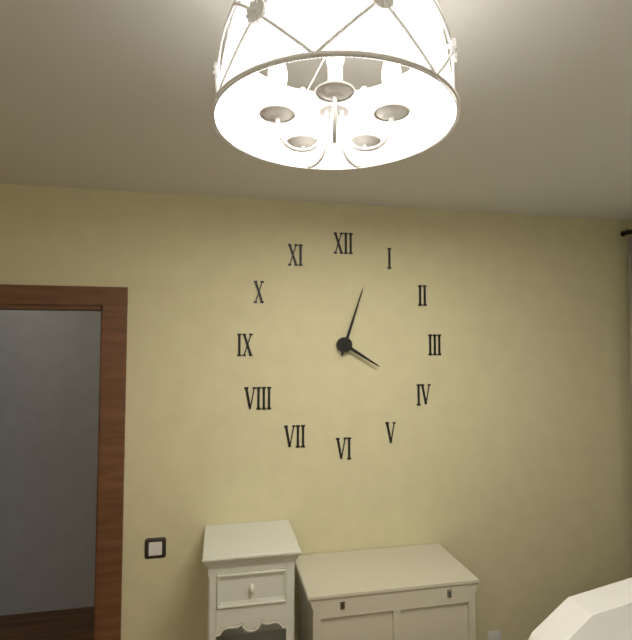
4:03
